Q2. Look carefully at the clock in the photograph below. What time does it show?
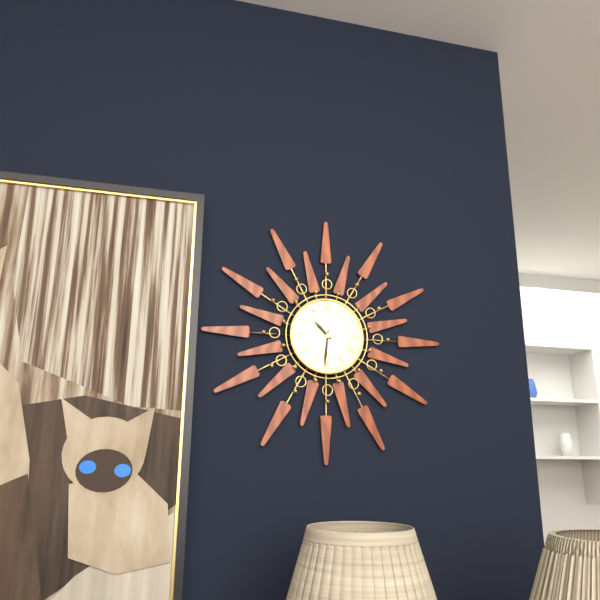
10:31
